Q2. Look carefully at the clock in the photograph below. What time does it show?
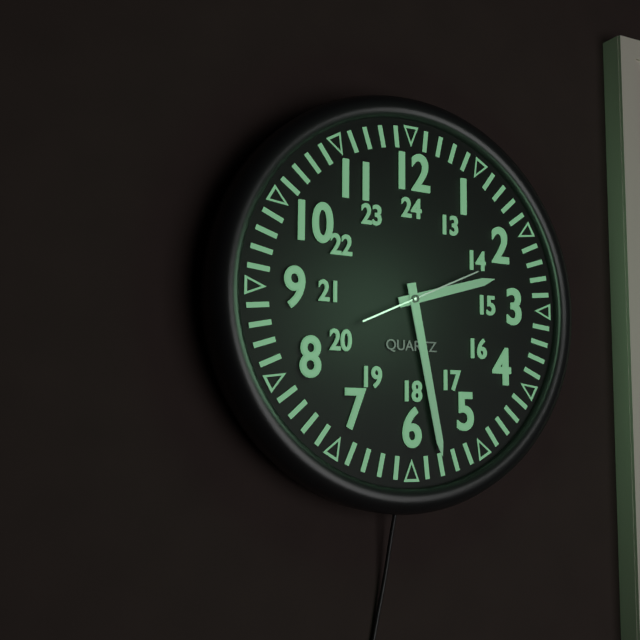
2:28:11
